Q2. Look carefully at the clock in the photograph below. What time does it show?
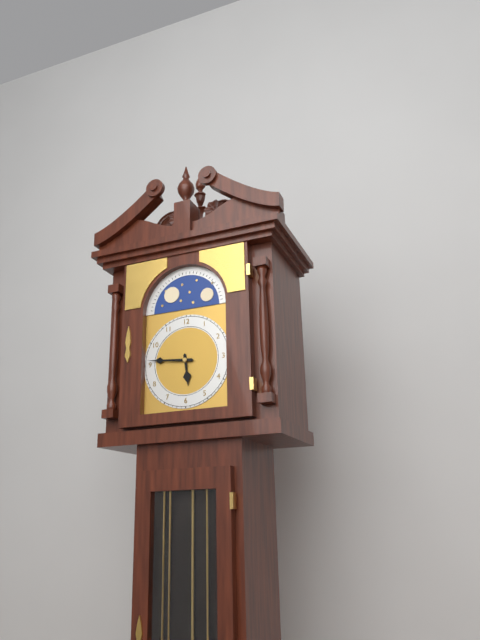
5:46
